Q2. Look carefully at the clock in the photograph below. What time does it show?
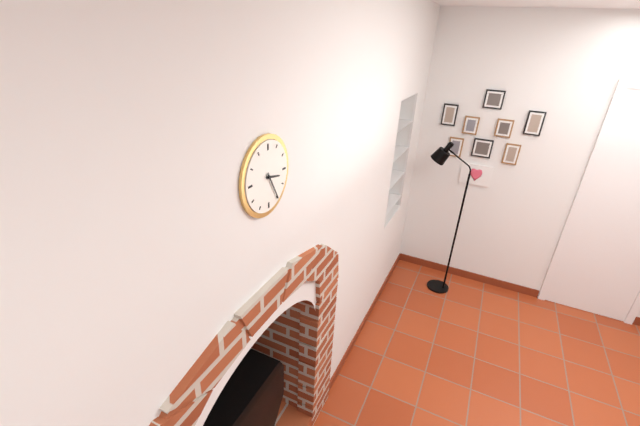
3:25
